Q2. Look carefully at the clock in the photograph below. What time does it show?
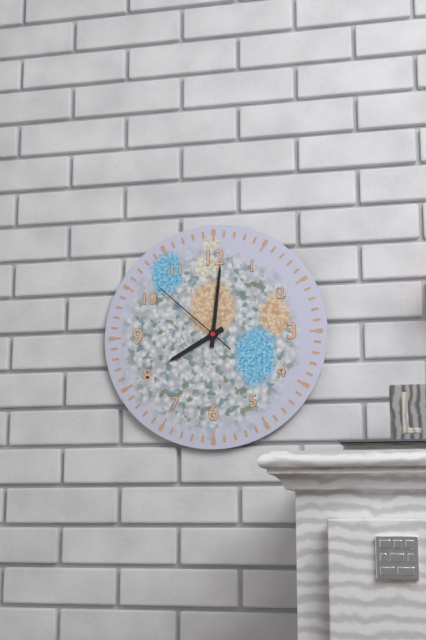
8:01:52
